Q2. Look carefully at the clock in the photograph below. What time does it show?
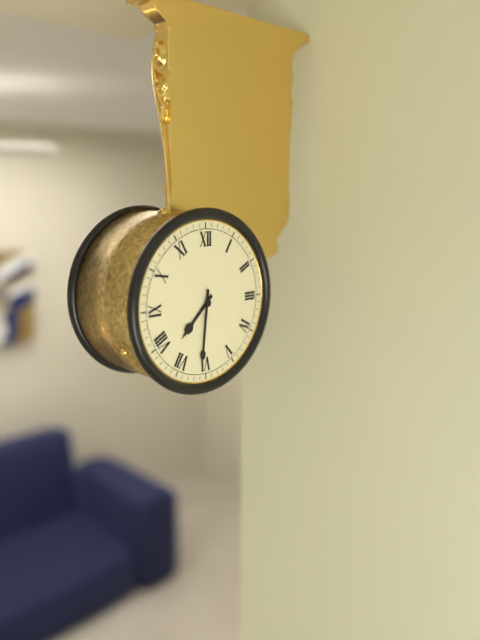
7:31
